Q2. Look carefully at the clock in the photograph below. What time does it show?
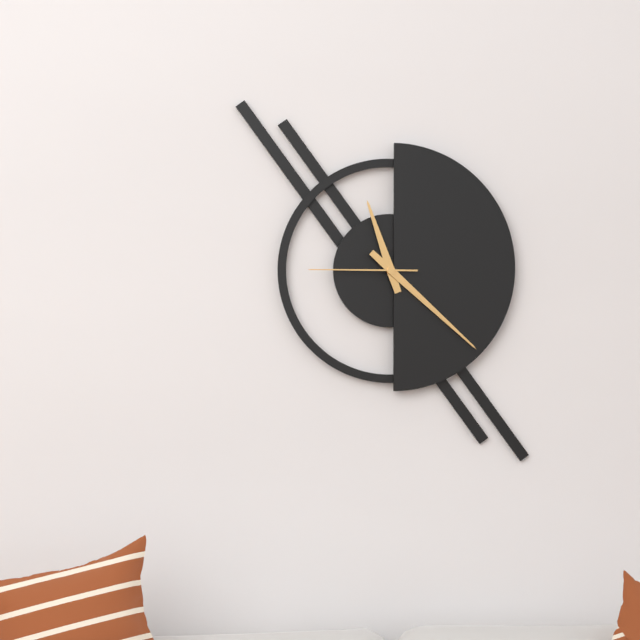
11:22:45
